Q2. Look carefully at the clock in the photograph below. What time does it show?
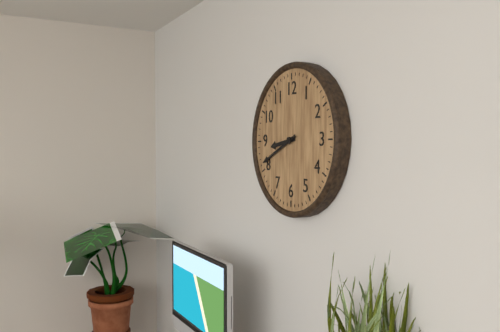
8:41
